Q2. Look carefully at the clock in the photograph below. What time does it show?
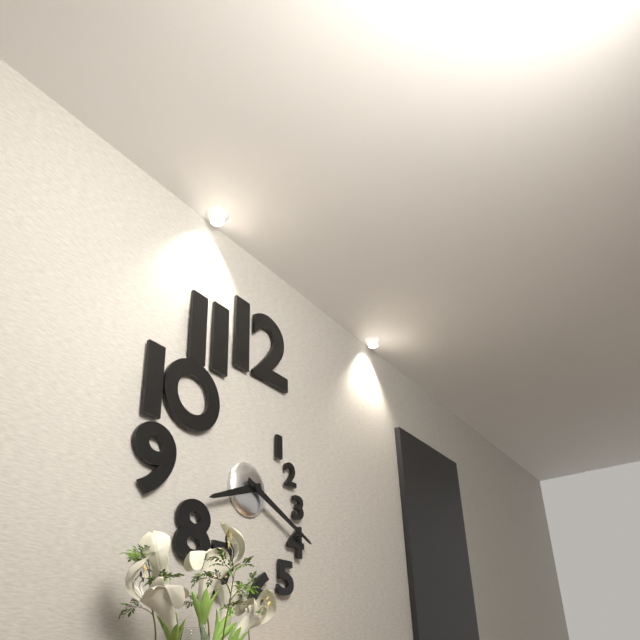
8:19
